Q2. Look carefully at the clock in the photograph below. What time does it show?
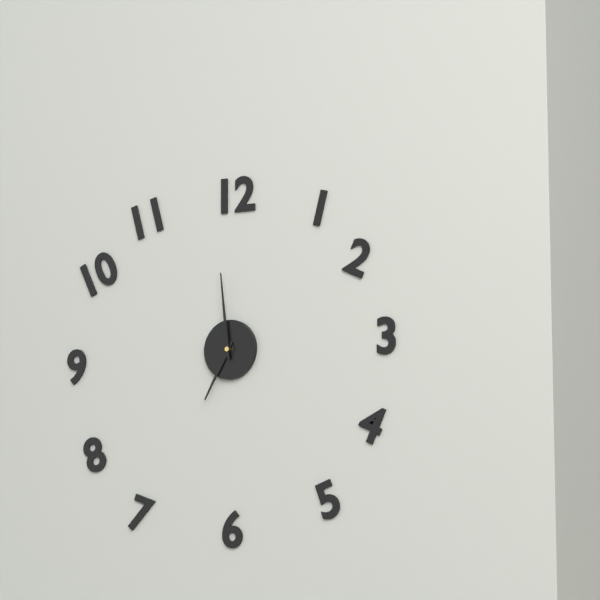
6:59
